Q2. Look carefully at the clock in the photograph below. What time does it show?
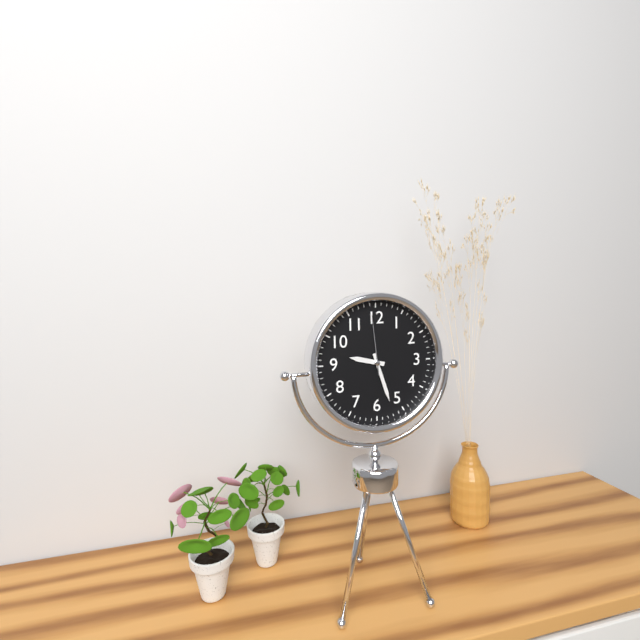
9:27:59
